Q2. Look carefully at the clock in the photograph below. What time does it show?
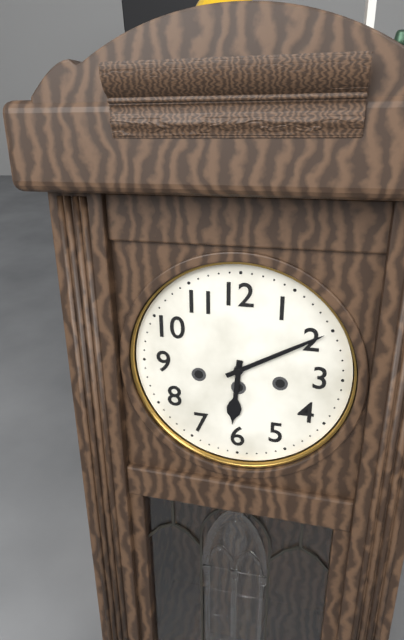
6:10
